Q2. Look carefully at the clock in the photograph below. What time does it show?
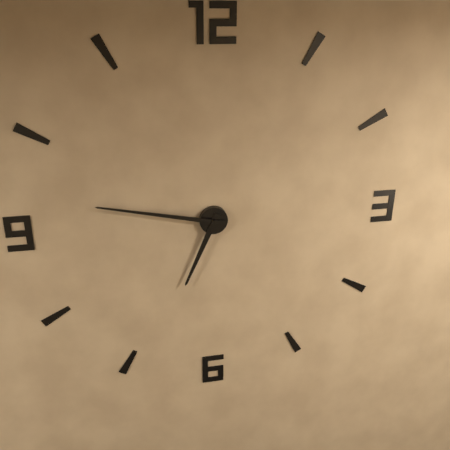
6:47
